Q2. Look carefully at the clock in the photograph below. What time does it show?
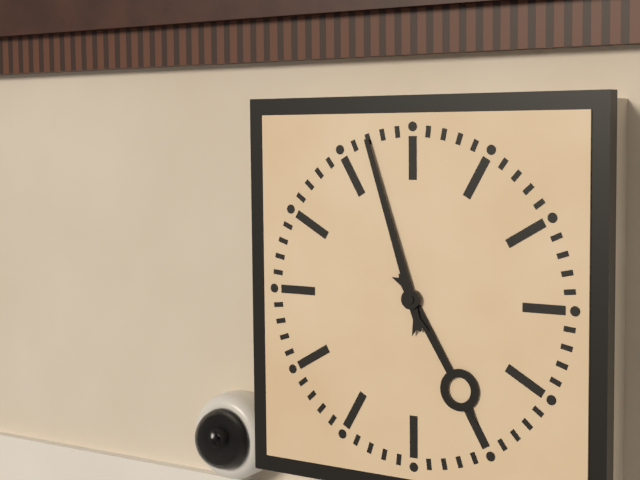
4:57
